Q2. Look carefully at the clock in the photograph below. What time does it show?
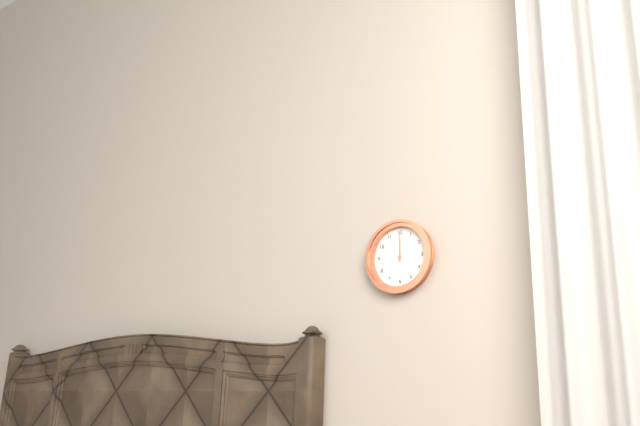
12:00
